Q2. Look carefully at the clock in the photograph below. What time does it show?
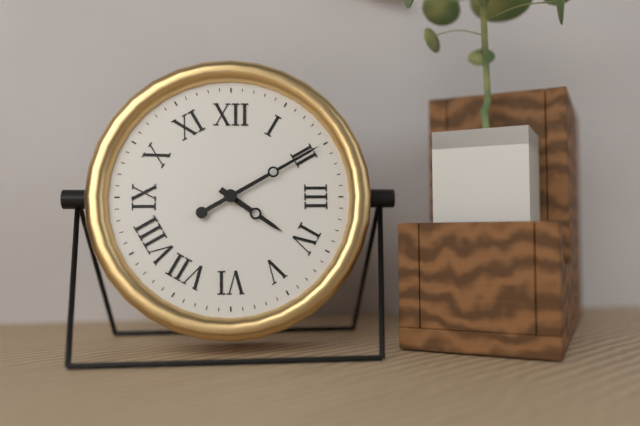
4:10
